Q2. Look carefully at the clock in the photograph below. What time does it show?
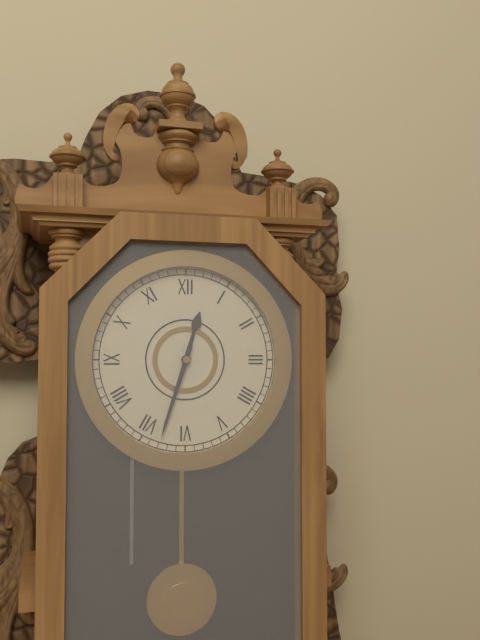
12:33
